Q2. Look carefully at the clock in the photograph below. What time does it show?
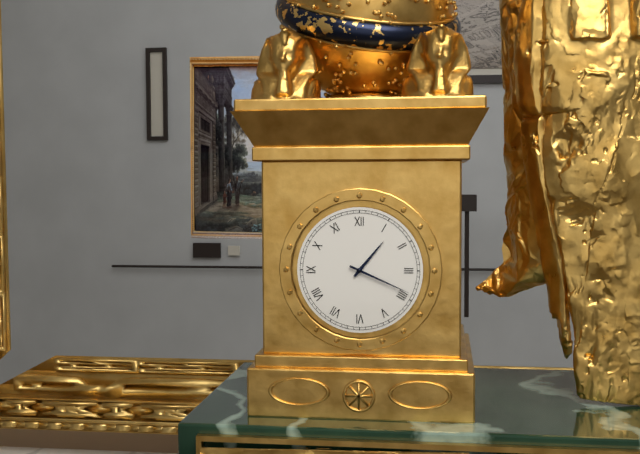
1:19
